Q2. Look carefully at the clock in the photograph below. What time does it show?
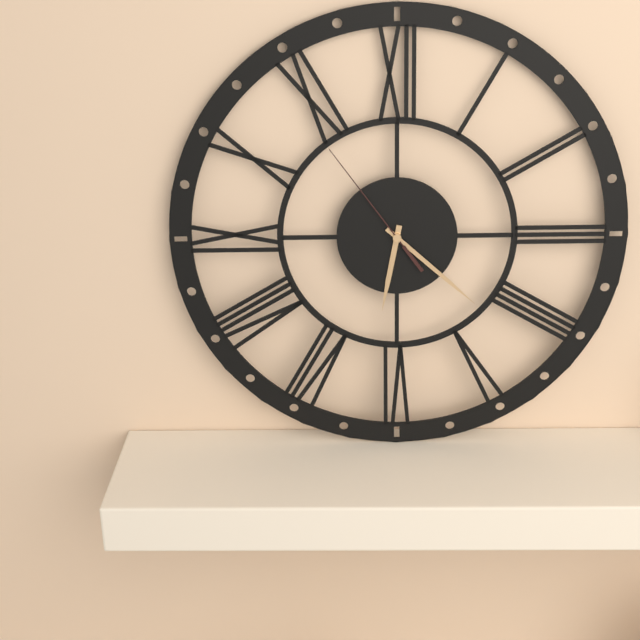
6:22:54
